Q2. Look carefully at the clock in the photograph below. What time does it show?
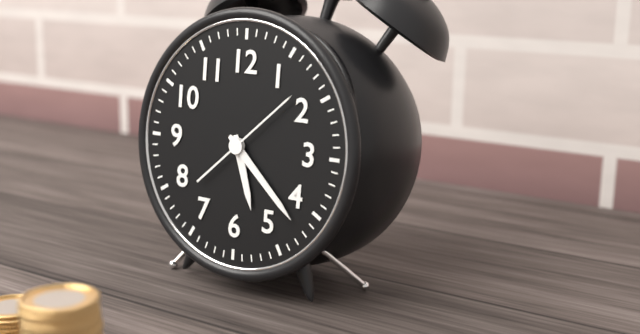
5:22:08
